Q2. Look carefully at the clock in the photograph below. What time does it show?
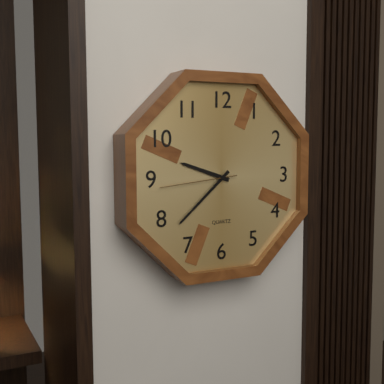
9:38:44
